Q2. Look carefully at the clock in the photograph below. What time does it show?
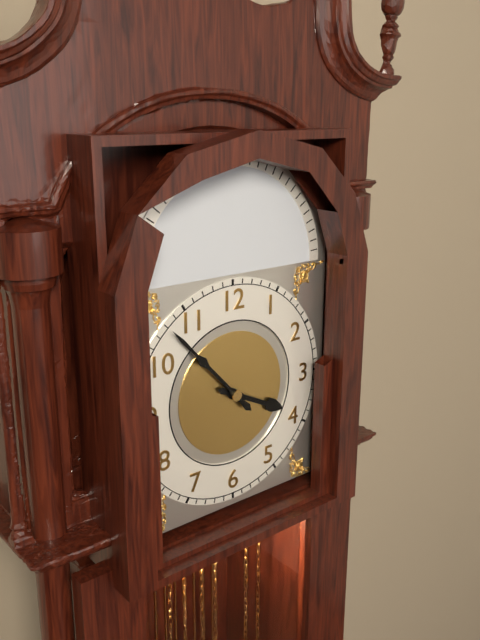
3:53
